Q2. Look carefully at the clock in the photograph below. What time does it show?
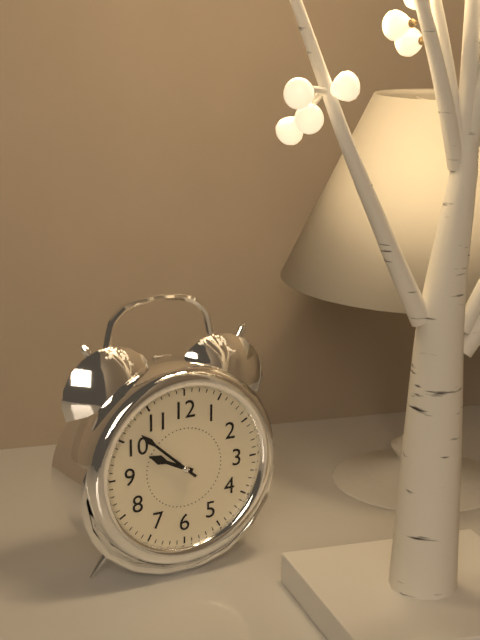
9:52
